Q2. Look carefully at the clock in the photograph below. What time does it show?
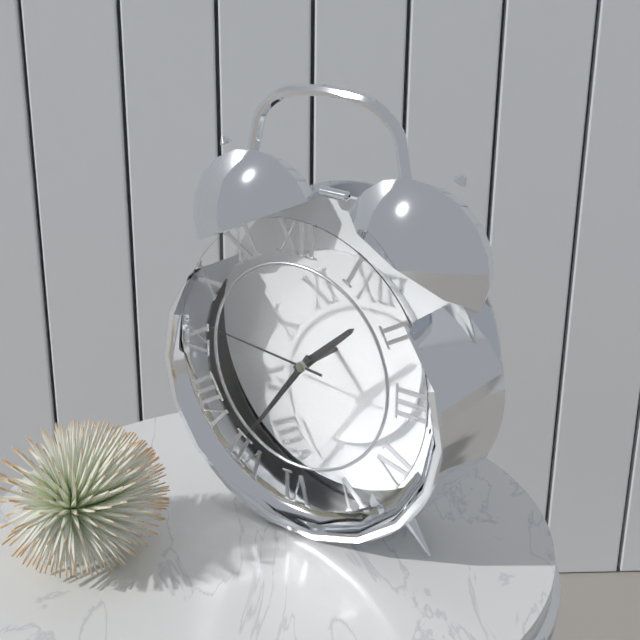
1:36:46
